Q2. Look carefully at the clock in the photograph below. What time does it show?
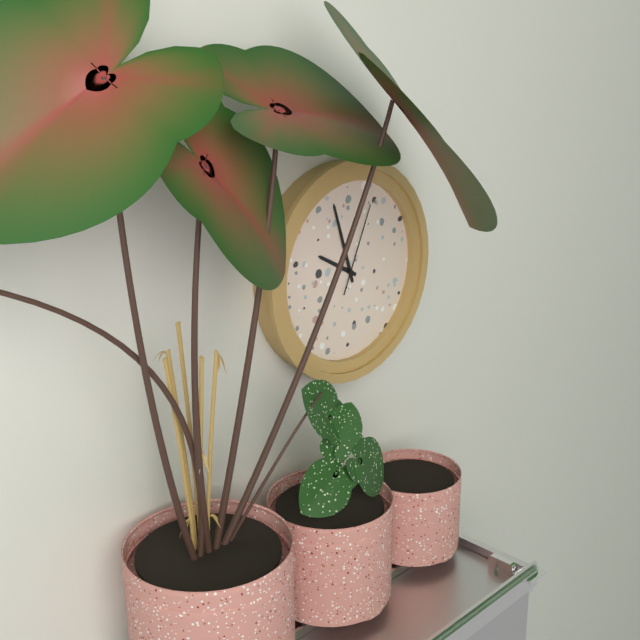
9:57:04
